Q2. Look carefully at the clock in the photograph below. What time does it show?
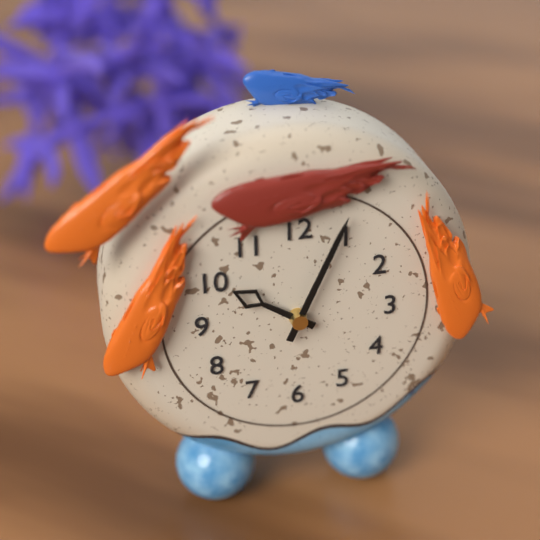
10:04
